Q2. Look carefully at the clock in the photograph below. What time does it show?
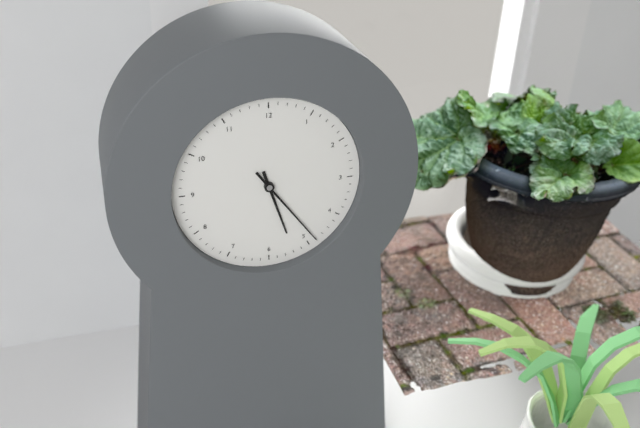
5:24
